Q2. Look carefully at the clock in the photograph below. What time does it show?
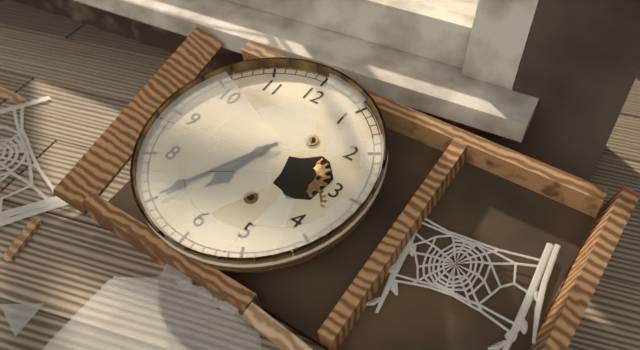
6:35
